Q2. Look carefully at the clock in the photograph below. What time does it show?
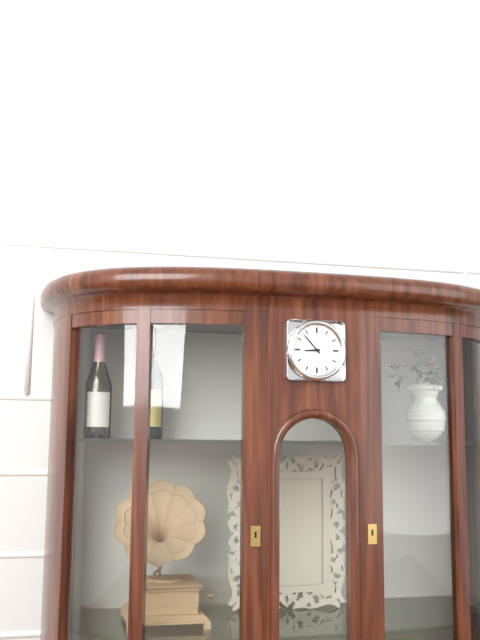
8:53
